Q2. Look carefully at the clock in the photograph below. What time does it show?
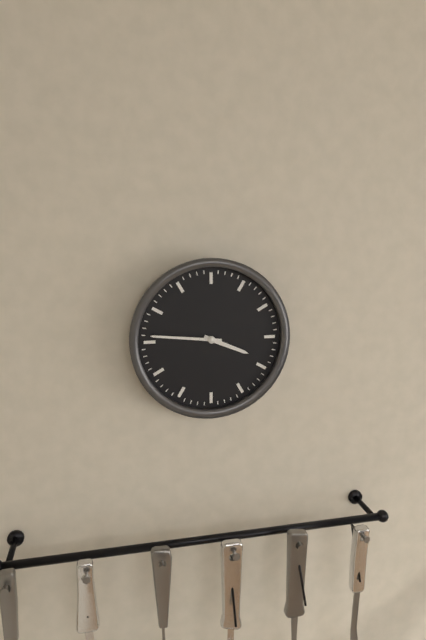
3:46
